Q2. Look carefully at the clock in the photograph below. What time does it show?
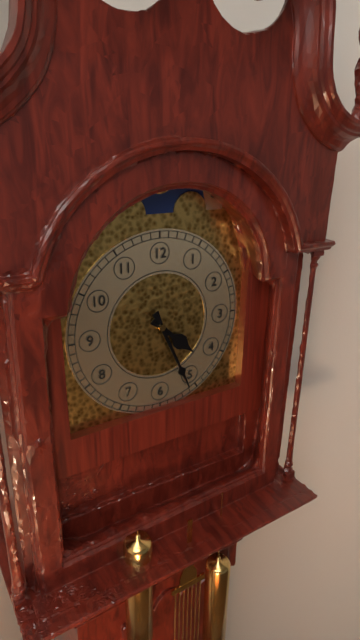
4:26
